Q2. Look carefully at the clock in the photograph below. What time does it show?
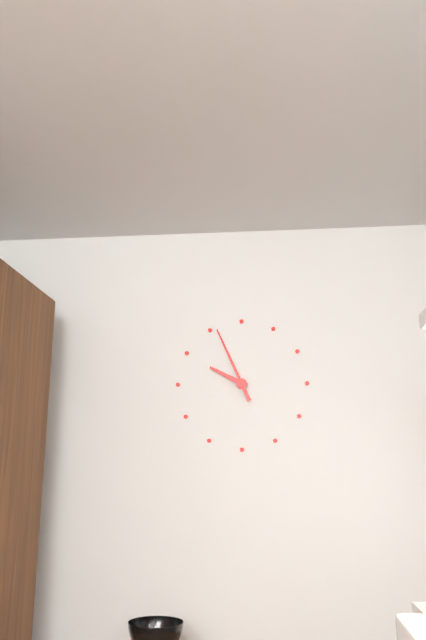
9:56
